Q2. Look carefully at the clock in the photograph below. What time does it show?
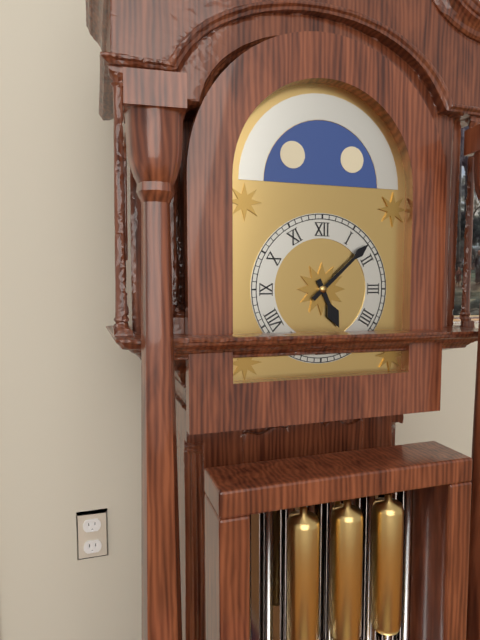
5:08
